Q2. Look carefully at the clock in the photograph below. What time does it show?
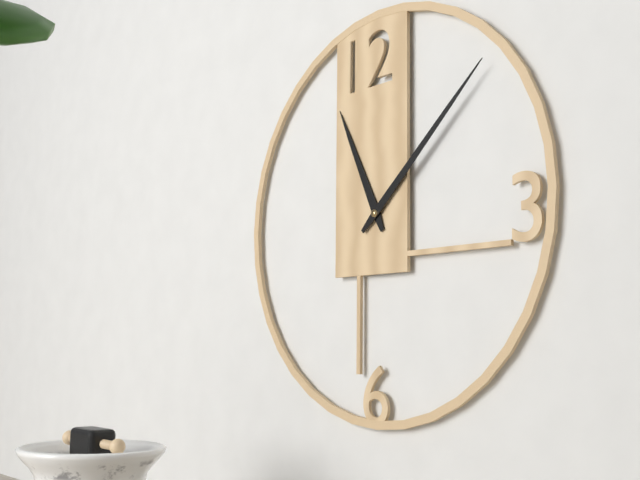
11:08
